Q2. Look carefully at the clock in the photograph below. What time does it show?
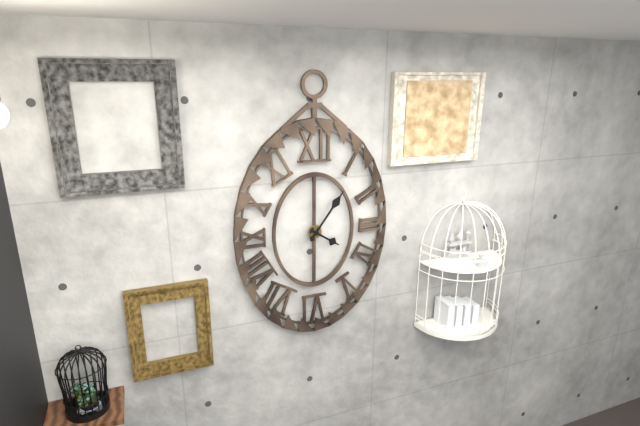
4:06
